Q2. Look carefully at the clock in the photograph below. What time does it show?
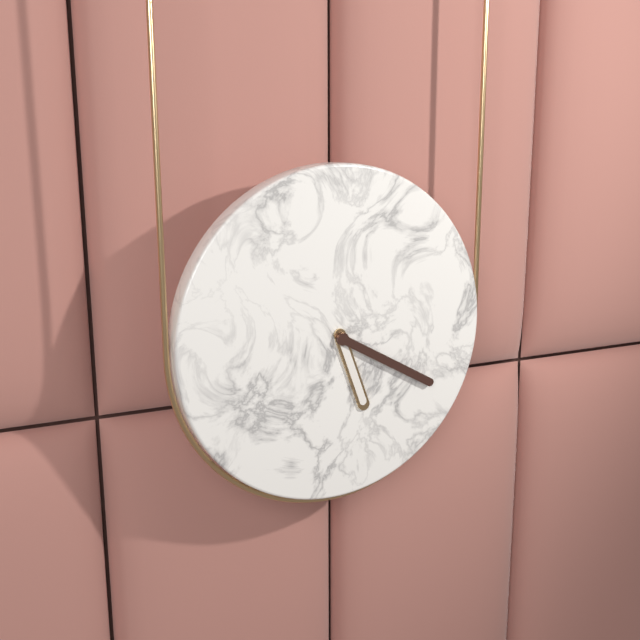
5:20
